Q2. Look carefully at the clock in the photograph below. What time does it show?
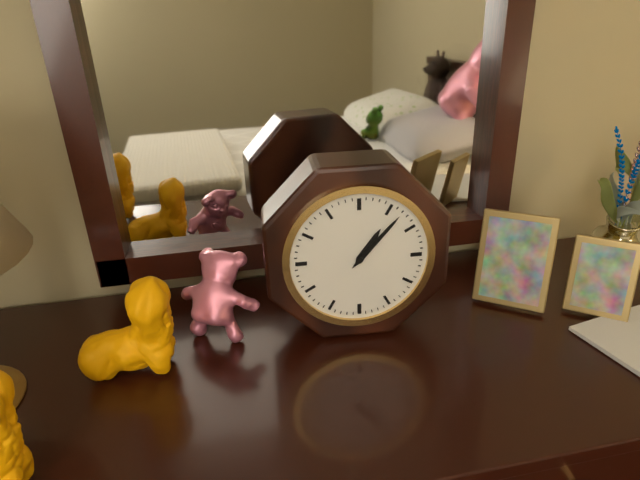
1:07
